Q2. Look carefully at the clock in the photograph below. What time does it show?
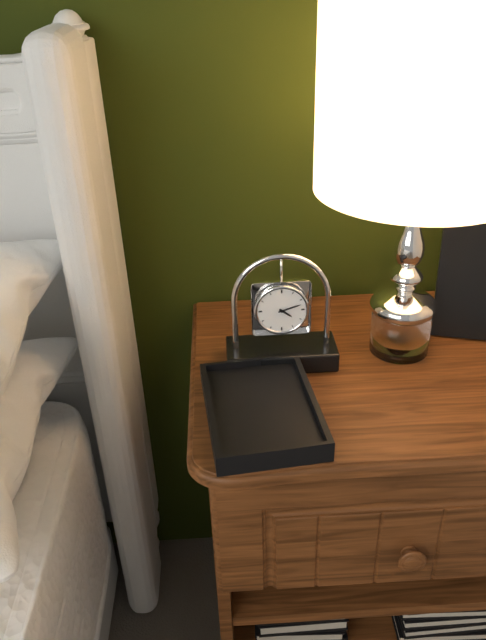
4:12
